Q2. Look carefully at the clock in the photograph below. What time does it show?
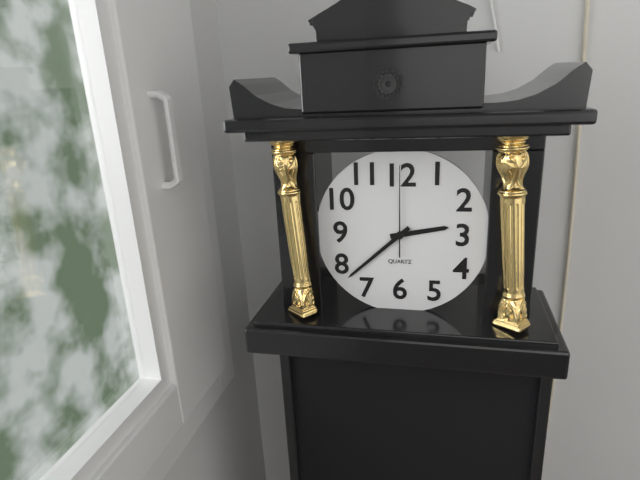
2:38:00
